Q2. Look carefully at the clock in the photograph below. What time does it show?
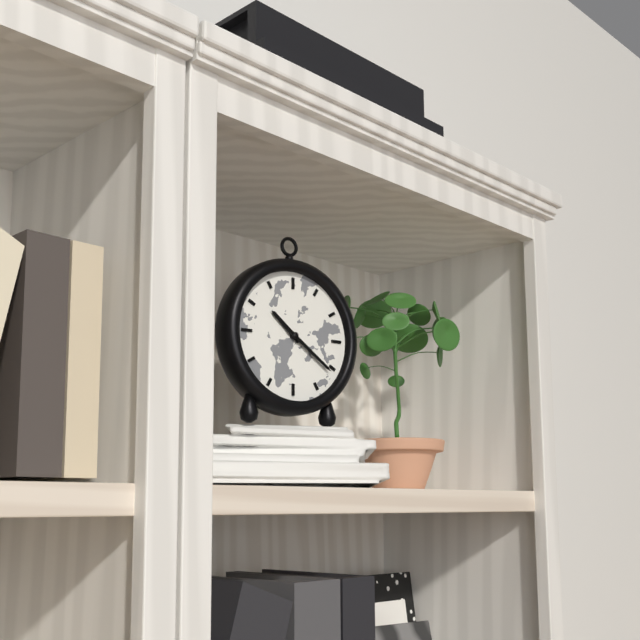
10:21
